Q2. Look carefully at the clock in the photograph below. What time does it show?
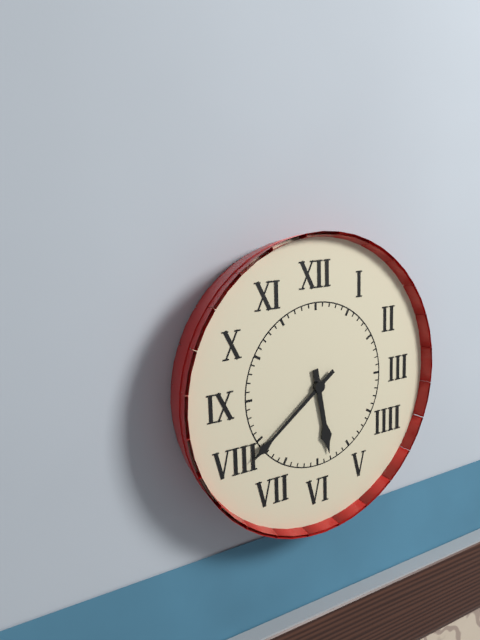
5:39
